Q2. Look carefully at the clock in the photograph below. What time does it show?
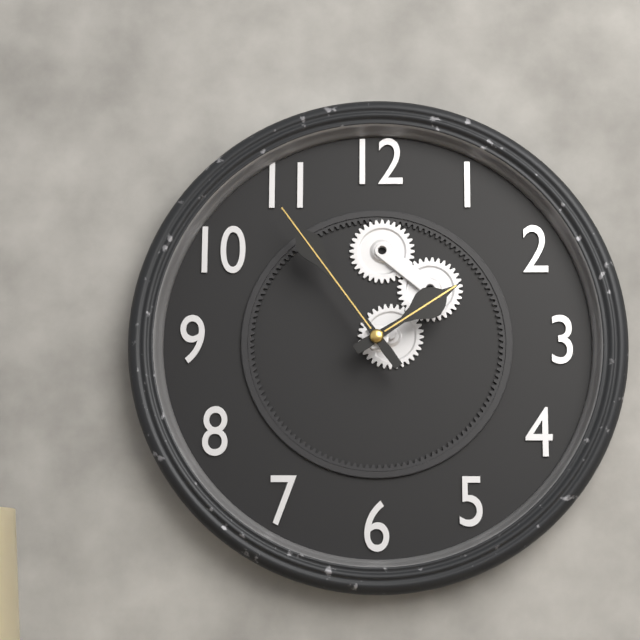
1:54
